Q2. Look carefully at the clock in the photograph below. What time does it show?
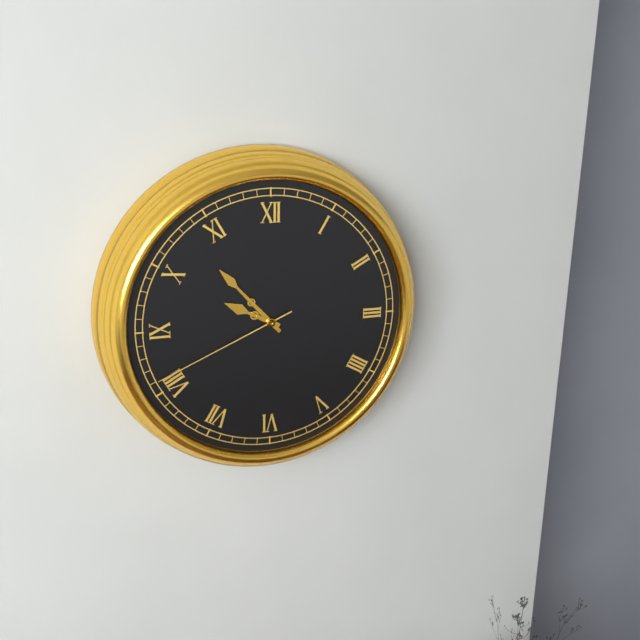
9:53:41
